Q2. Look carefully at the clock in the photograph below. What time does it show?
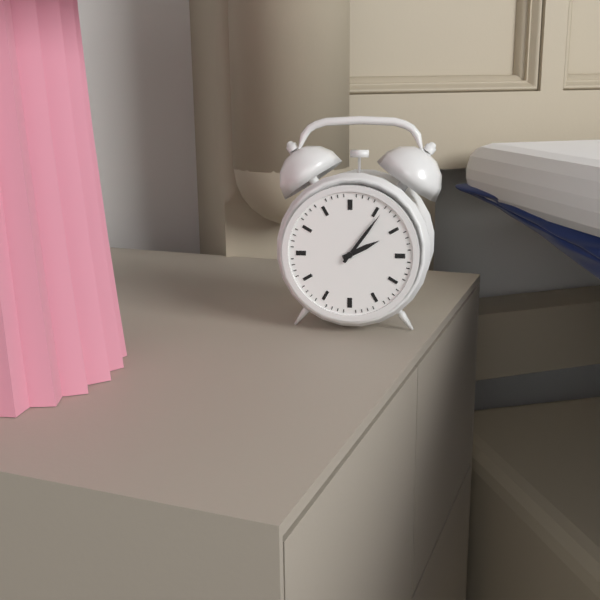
2:06
